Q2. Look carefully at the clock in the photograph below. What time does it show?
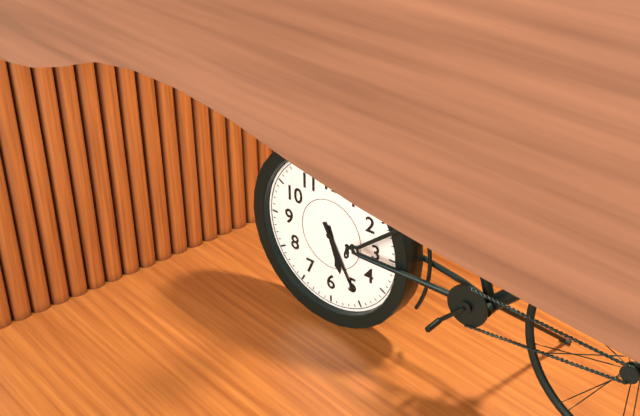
5:25
